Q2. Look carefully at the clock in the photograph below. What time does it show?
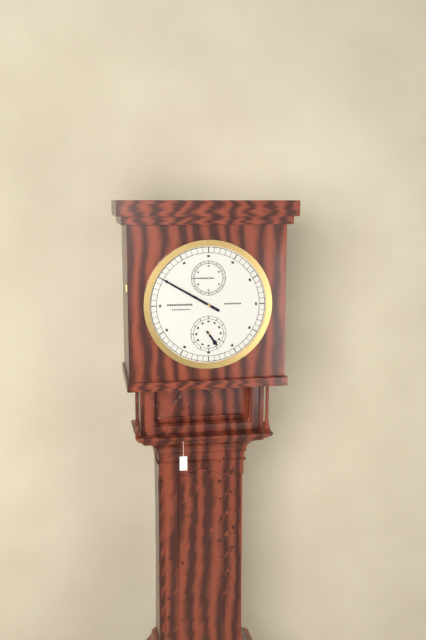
4:50
